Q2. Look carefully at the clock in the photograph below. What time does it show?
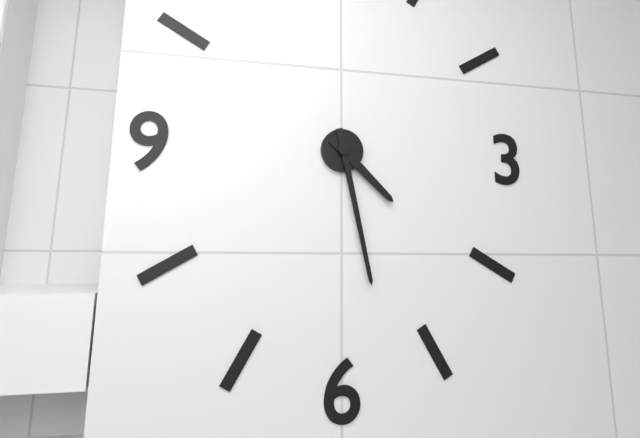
4:28
